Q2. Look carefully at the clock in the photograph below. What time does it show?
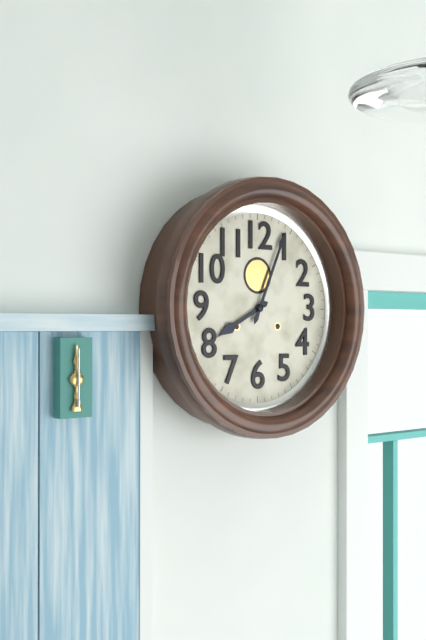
8:04
